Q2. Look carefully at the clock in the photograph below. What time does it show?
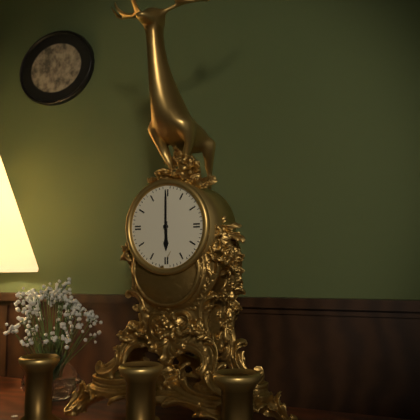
6:00
